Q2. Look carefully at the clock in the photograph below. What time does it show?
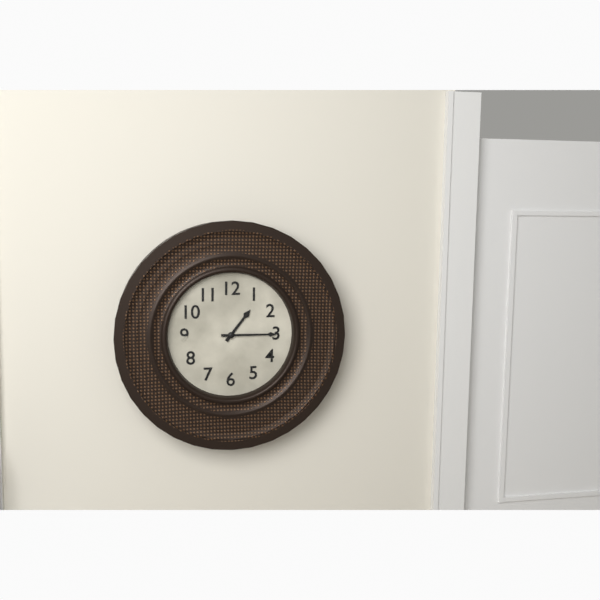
1:15
